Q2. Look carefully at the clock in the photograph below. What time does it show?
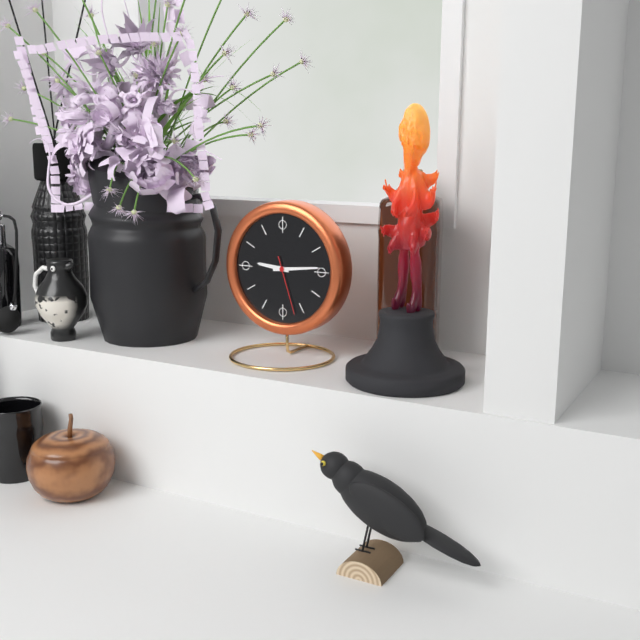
9:14:27
